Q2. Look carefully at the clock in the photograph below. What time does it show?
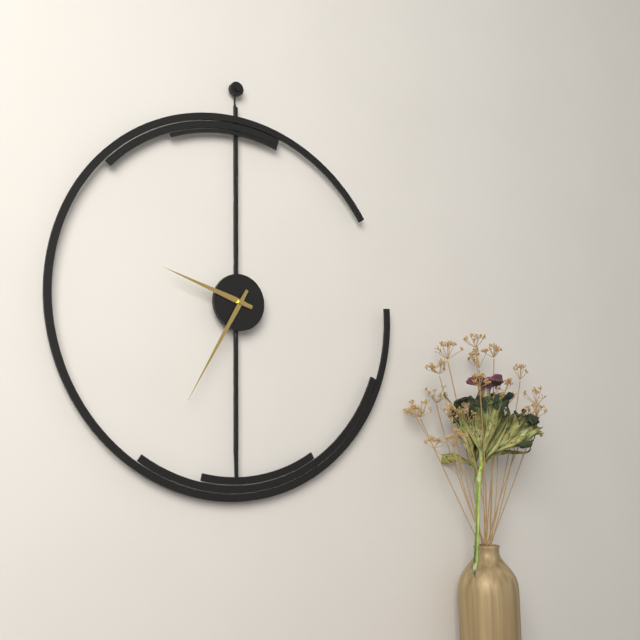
9:35
